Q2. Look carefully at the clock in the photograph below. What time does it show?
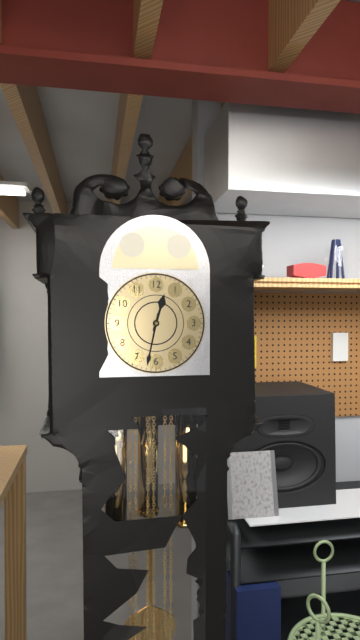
12:32
